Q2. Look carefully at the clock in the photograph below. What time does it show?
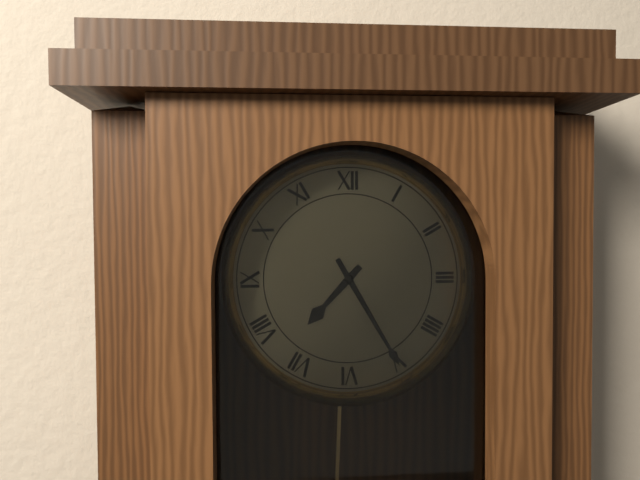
7:25
